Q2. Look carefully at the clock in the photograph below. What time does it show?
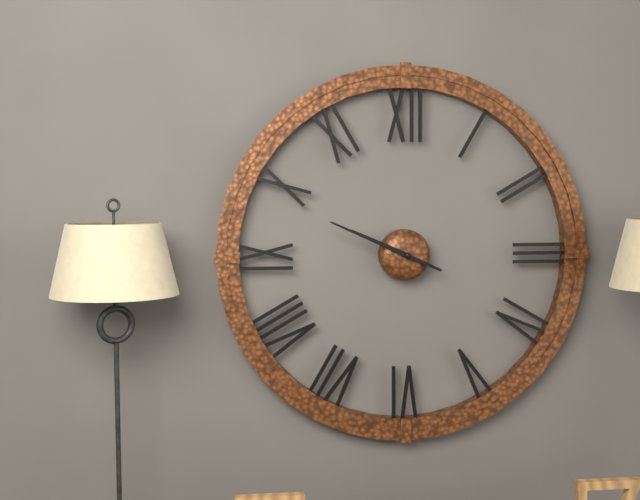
9:49
